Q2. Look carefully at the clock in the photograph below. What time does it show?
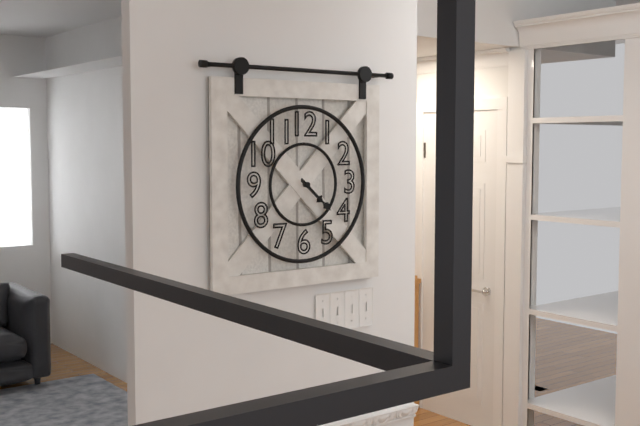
4:22
